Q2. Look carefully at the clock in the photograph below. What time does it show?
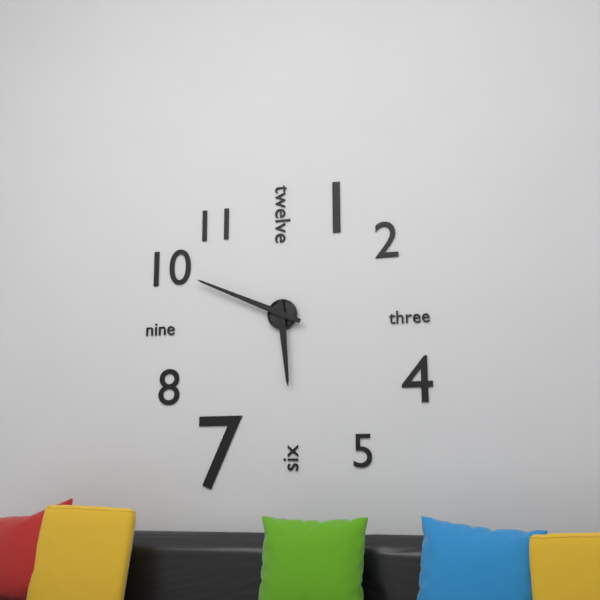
5:49
